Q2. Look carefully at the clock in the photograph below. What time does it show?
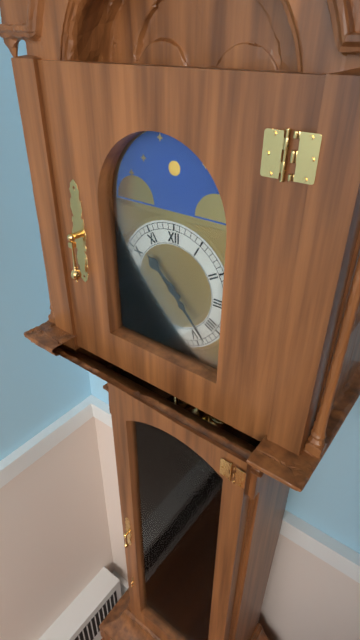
10:23
